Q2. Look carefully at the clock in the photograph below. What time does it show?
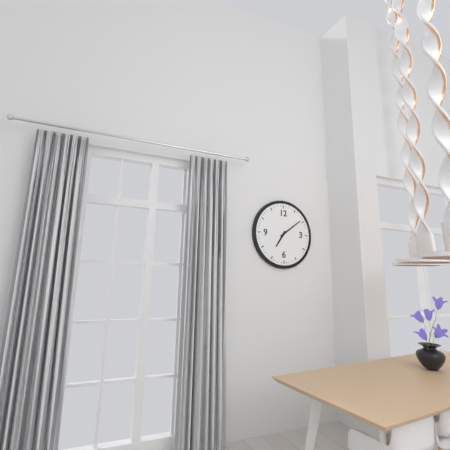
7:09
